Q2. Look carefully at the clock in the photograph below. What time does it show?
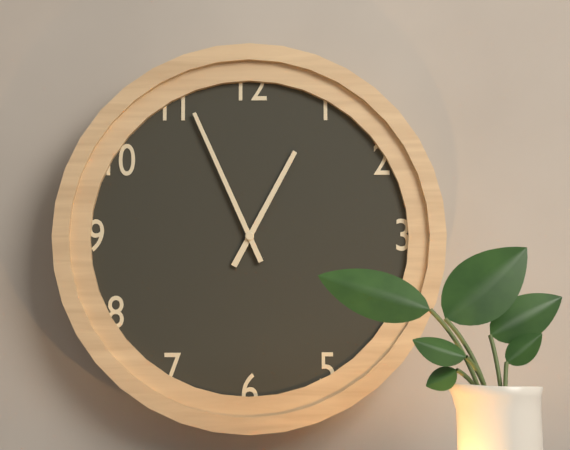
12:56
